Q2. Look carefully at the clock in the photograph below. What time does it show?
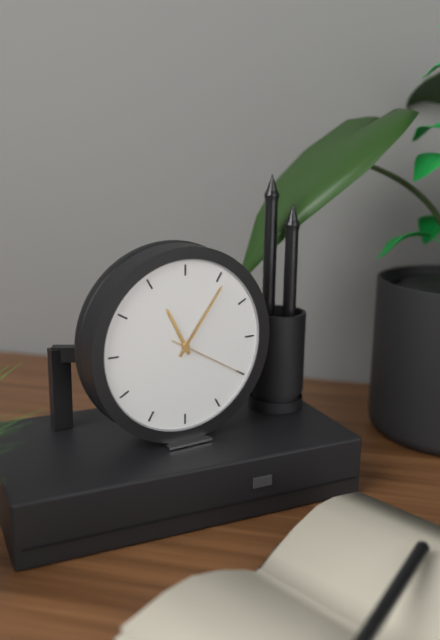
11:06:20
